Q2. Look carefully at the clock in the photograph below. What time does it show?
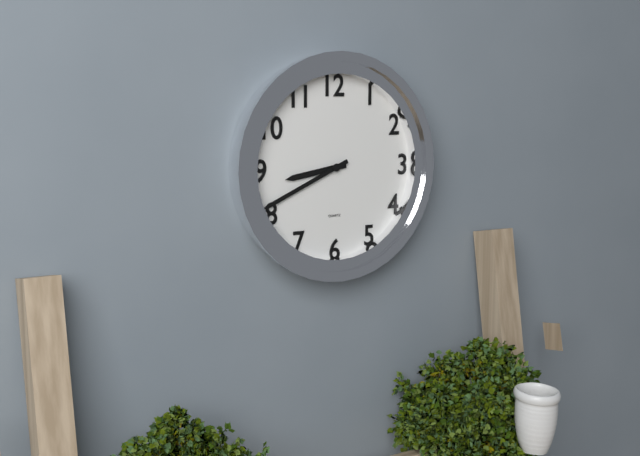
8:41
